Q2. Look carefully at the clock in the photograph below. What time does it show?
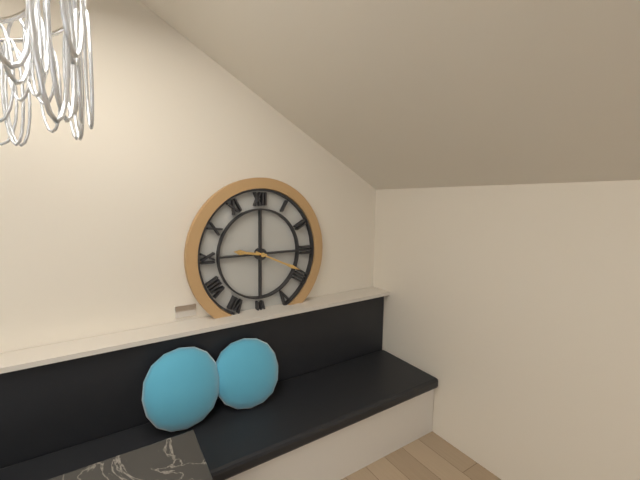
9:19
